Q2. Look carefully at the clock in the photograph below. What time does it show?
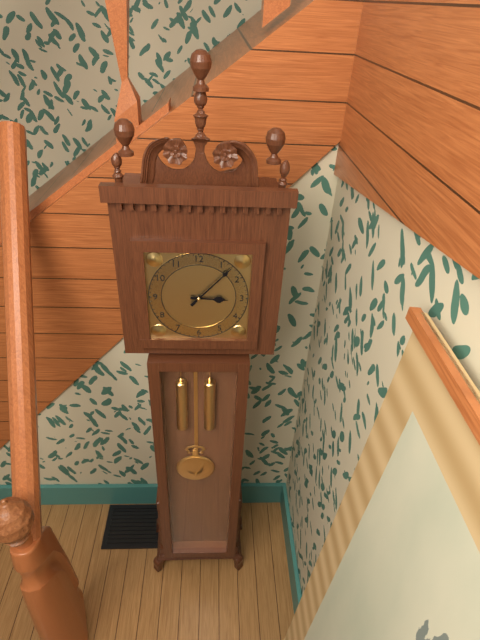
3:07
